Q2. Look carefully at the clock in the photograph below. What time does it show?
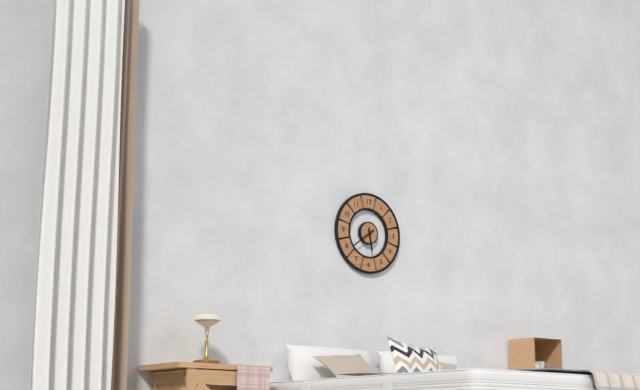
5:39
